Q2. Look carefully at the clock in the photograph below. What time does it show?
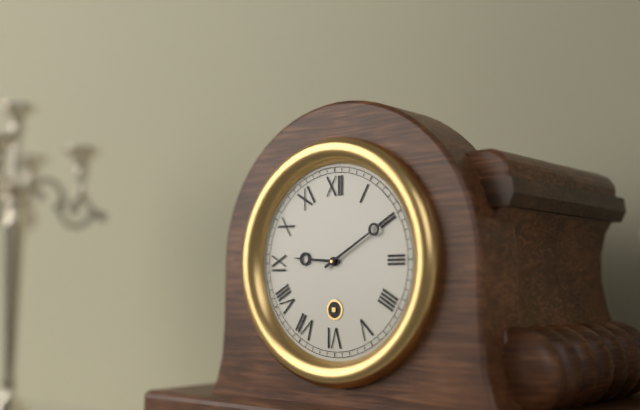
9:10
